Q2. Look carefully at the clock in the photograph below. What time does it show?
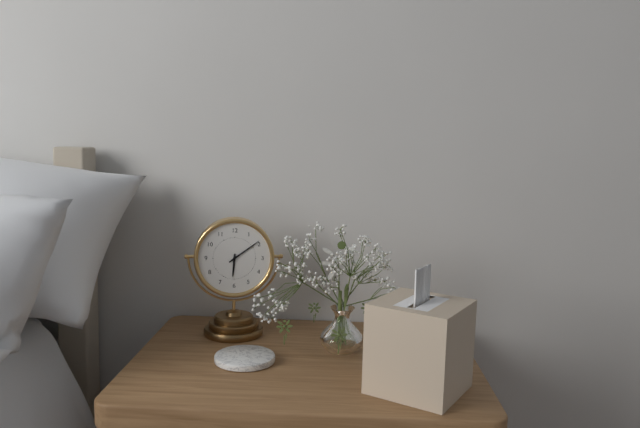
6:09
